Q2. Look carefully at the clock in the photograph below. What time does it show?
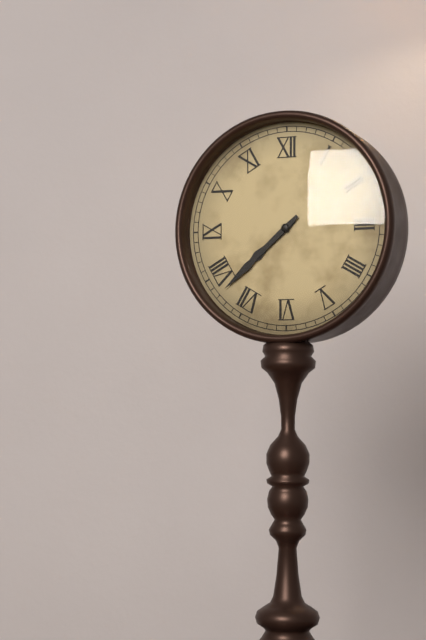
7:38
